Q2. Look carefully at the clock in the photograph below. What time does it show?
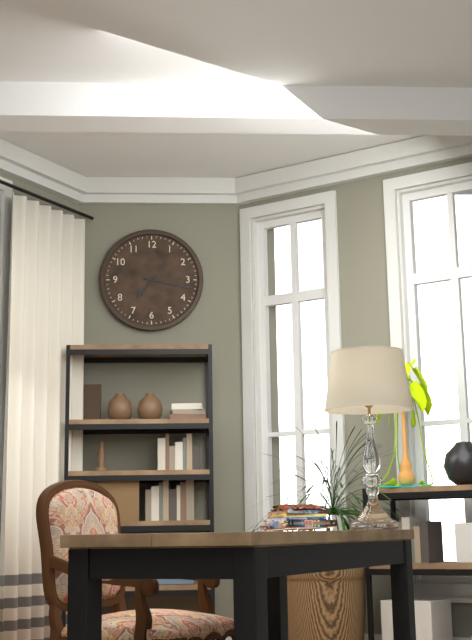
7:17
